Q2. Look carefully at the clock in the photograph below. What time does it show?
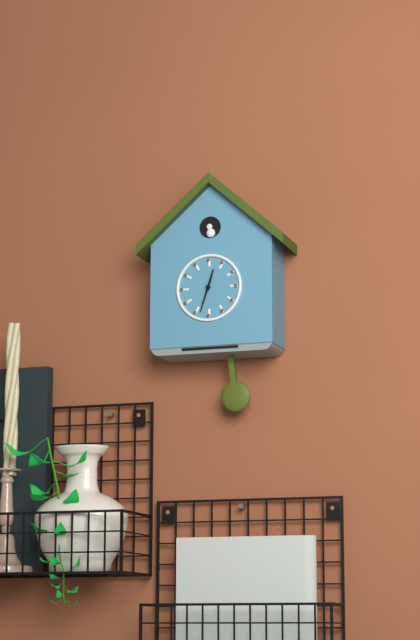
12:33
